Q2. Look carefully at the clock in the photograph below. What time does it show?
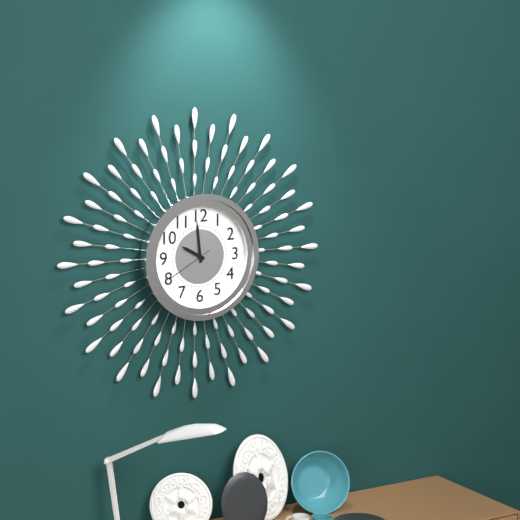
9:59
